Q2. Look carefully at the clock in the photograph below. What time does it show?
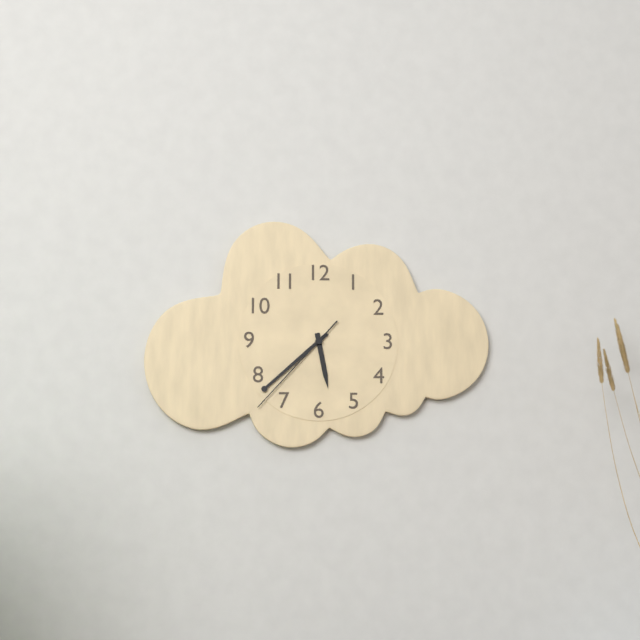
5:38:37
